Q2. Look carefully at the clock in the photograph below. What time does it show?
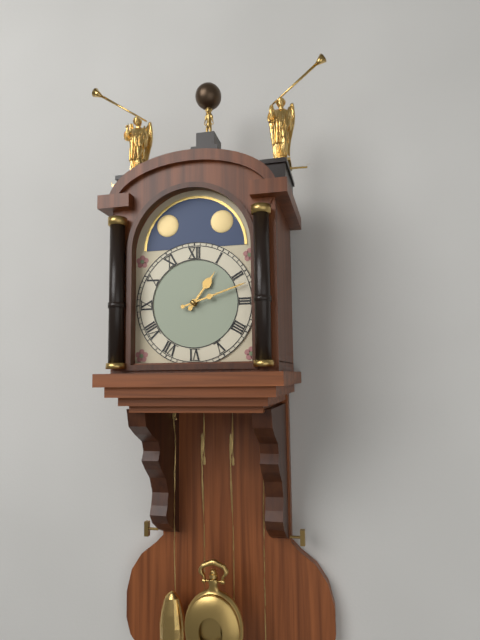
1:12
